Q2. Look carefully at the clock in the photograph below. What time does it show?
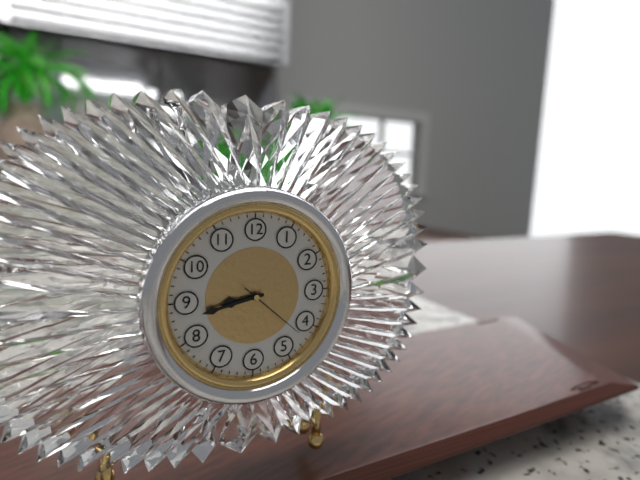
8:43:22
